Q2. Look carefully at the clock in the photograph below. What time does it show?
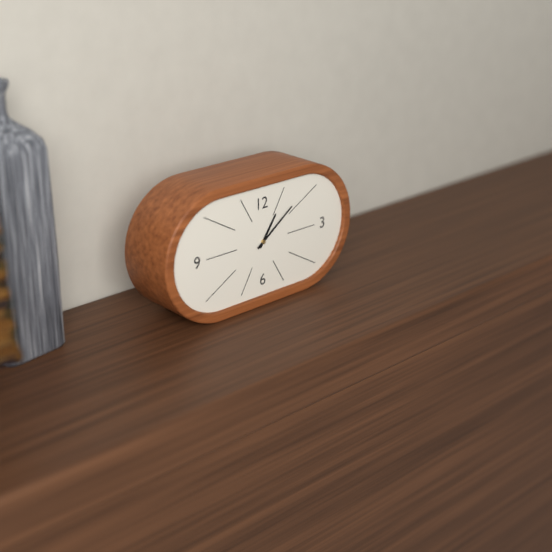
1:09
